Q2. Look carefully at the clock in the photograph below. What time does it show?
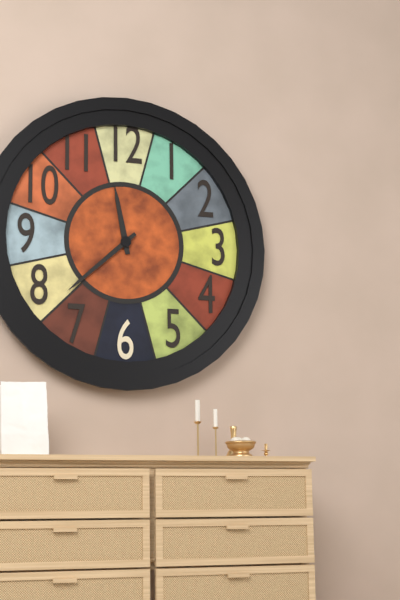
11:38
